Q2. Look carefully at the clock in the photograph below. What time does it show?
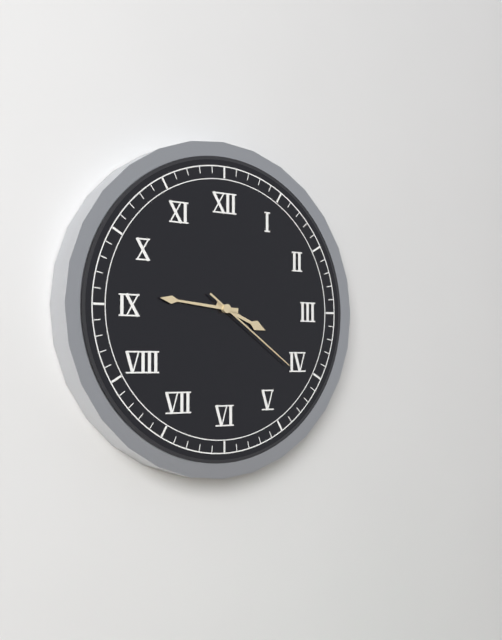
3:46:21
